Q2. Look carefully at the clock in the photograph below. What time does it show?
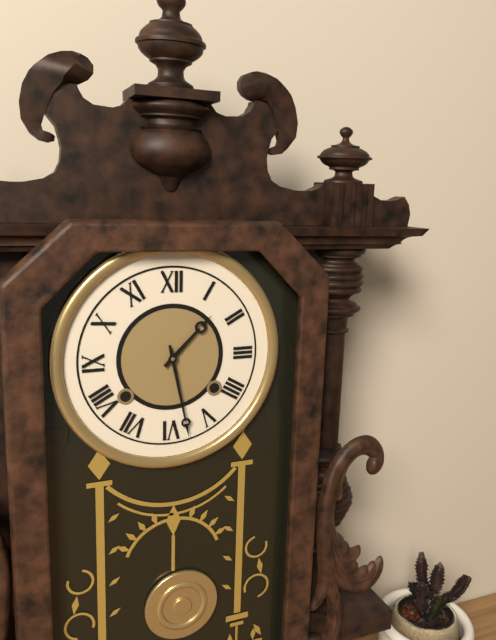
1:28
